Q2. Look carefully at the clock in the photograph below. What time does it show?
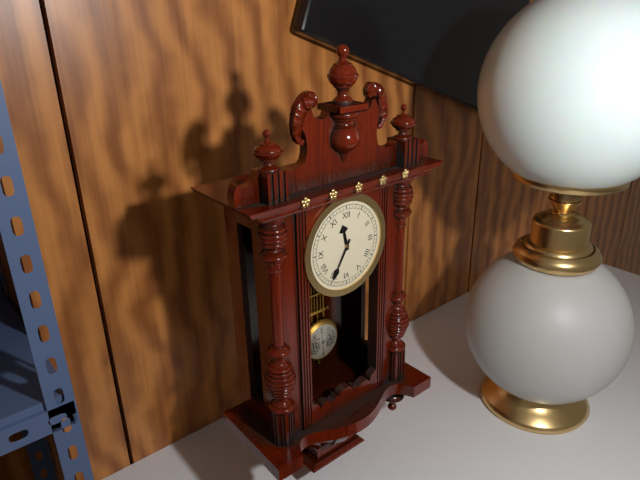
11:35
